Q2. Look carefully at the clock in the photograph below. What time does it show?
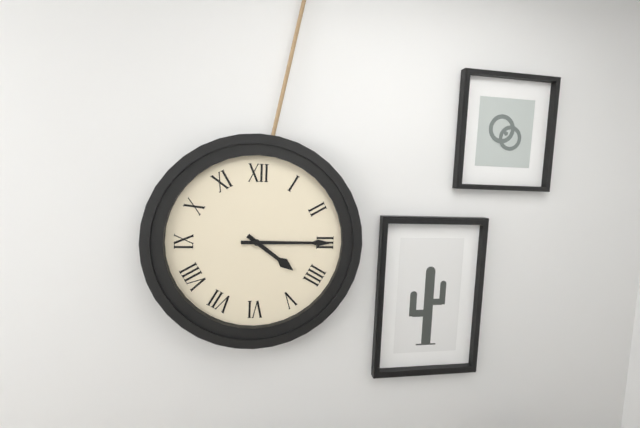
4:15
